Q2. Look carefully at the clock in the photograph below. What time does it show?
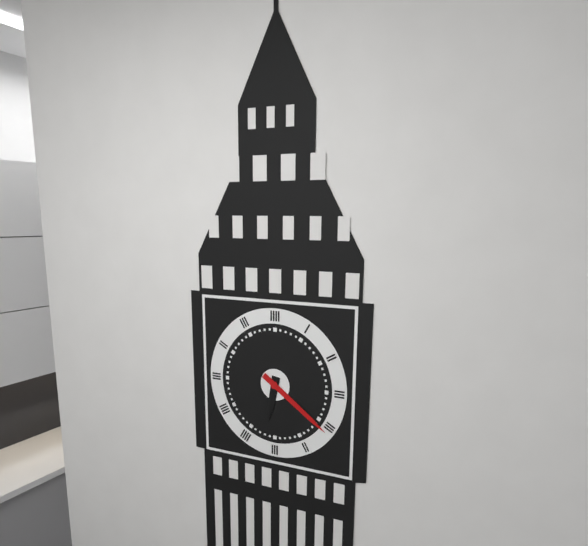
6:21
